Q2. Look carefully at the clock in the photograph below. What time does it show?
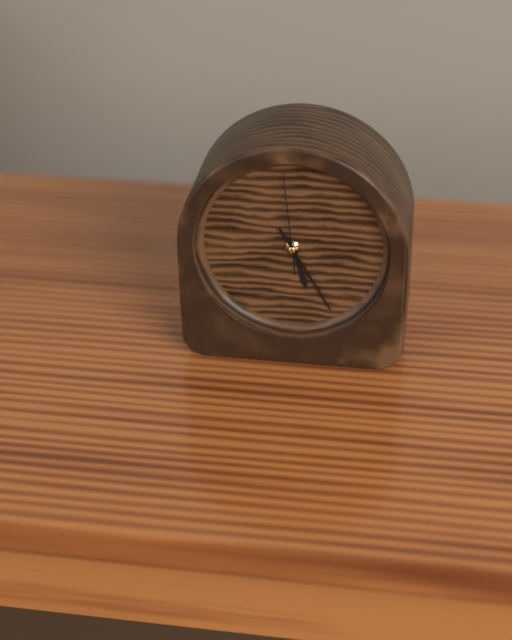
5:25:59
